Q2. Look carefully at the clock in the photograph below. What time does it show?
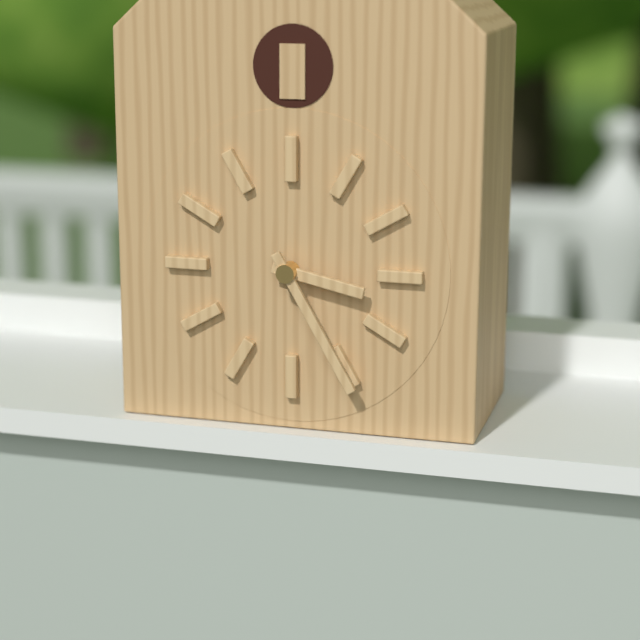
3:25
